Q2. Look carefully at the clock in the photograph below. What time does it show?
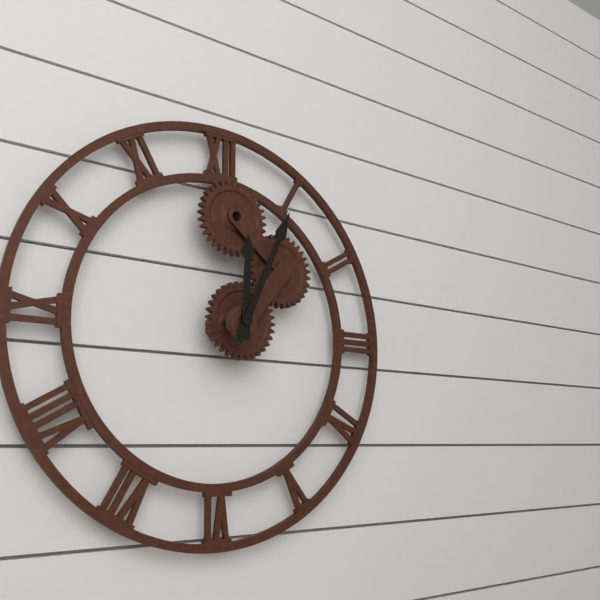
12:04
